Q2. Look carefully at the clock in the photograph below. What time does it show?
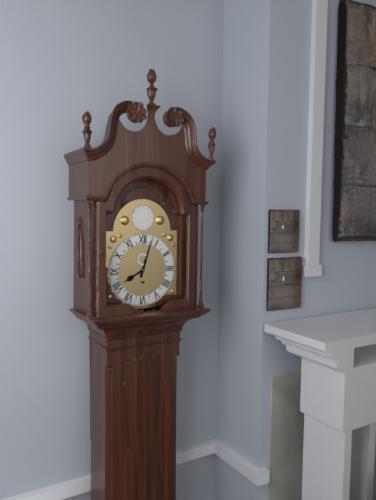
8:03
